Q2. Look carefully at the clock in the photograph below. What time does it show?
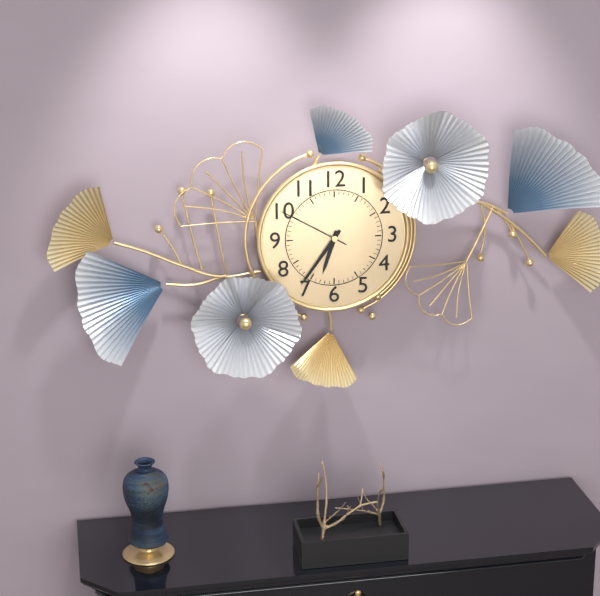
6:36:50
